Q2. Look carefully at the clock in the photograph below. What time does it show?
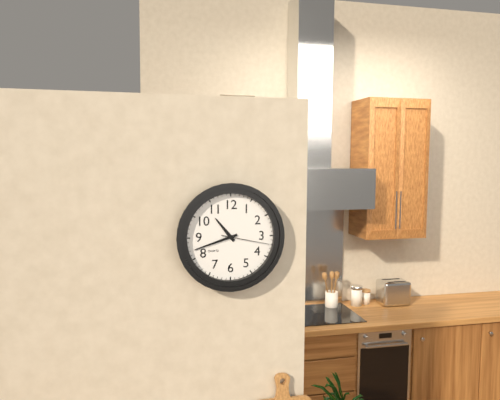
10:42
